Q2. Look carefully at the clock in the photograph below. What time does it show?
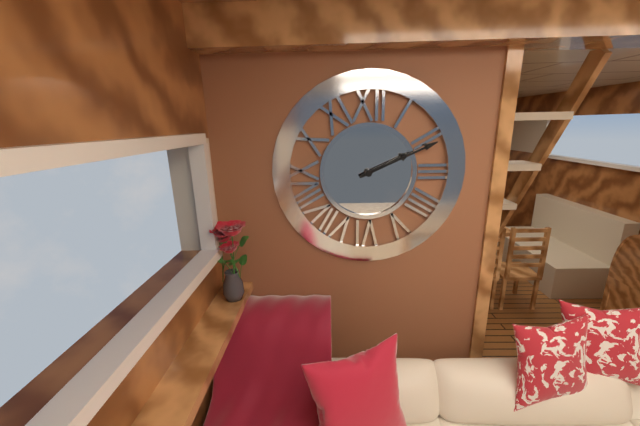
2:11
